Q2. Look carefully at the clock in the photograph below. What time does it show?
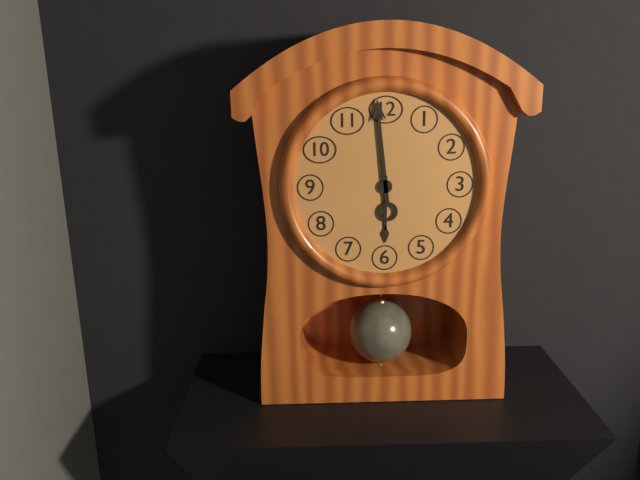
5:59
